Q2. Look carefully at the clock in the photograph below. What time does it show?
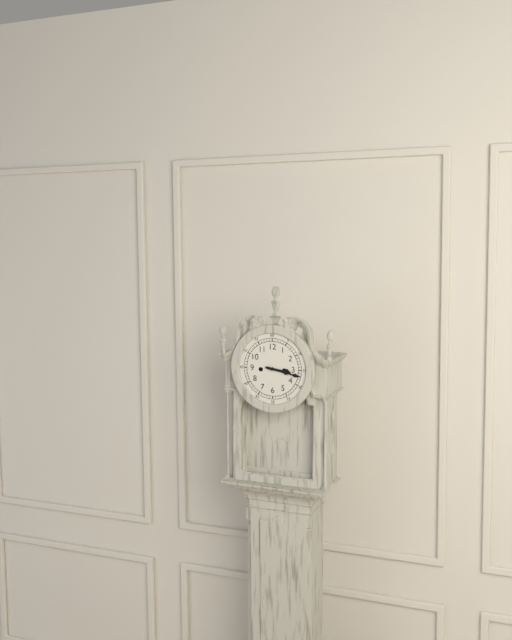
3:17
